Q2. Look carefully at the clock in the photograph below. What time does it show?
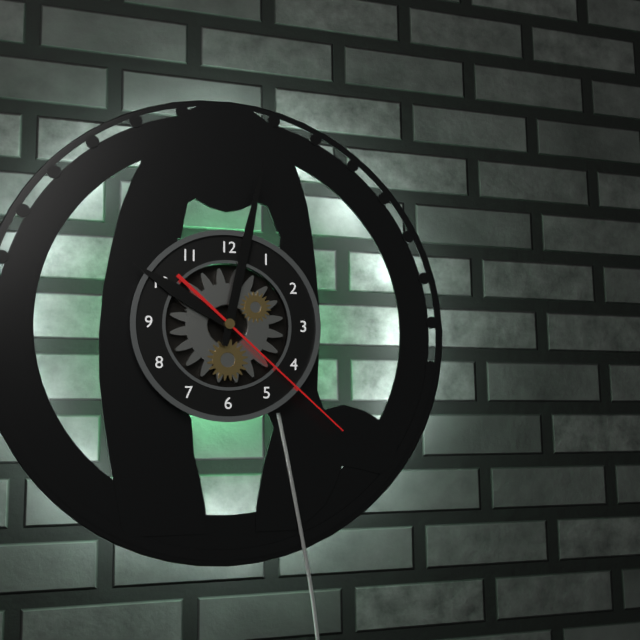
10:02:22
